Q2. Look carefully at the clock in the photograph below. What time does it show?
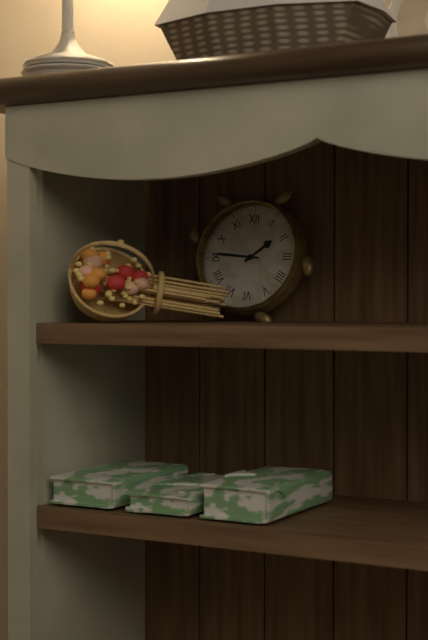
1:46
